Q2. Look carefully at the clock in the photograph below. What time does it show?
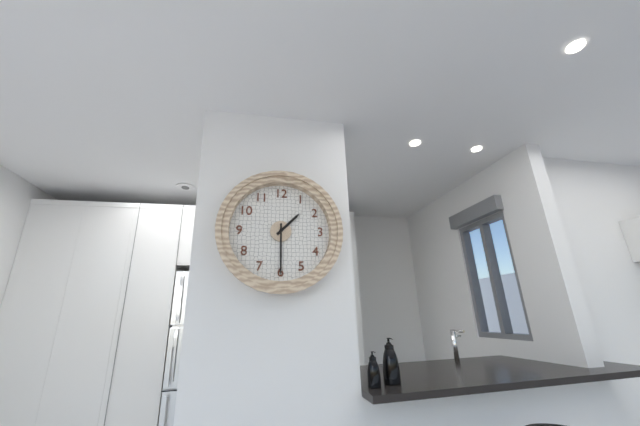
1:30
